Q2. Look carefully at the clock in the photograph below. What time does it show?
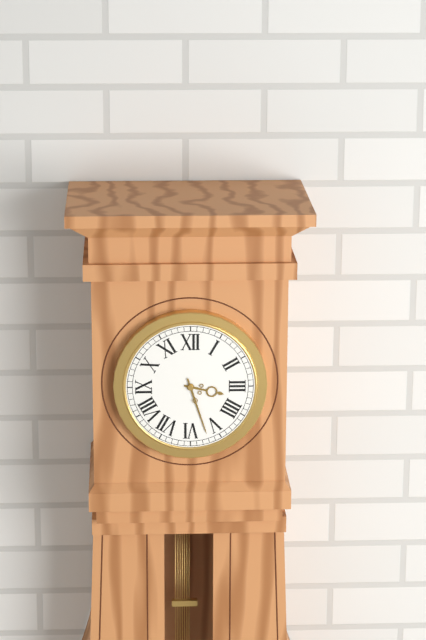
3:27
